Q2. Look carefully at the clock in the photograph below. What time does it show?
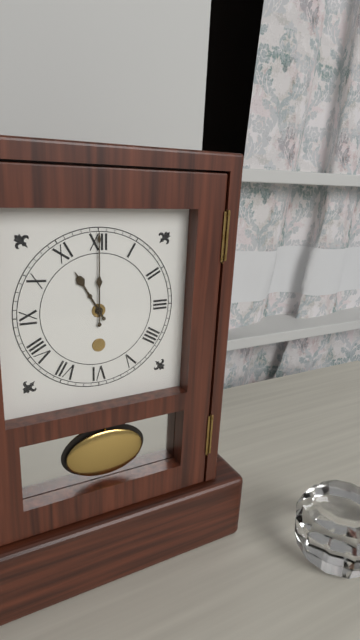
11:00
